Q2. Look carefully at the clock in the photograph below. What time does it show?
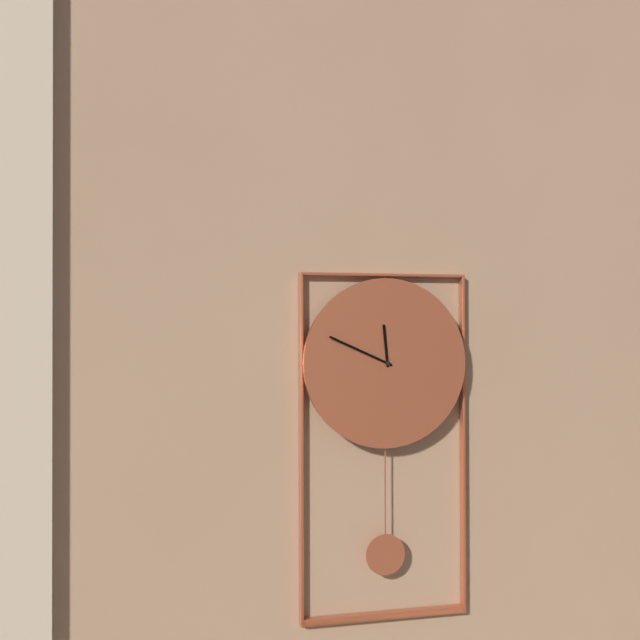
11:49
